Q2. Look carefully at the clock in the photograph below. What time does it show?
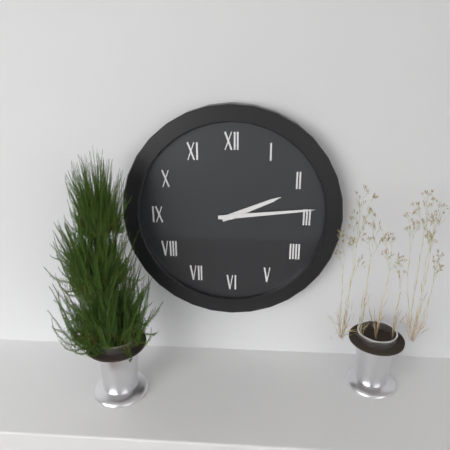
2:14
